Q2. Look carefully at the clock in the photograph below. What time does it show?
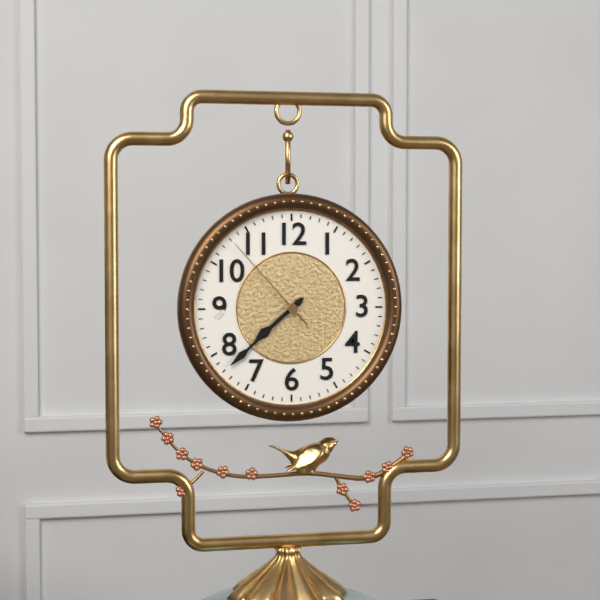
7:38:53
